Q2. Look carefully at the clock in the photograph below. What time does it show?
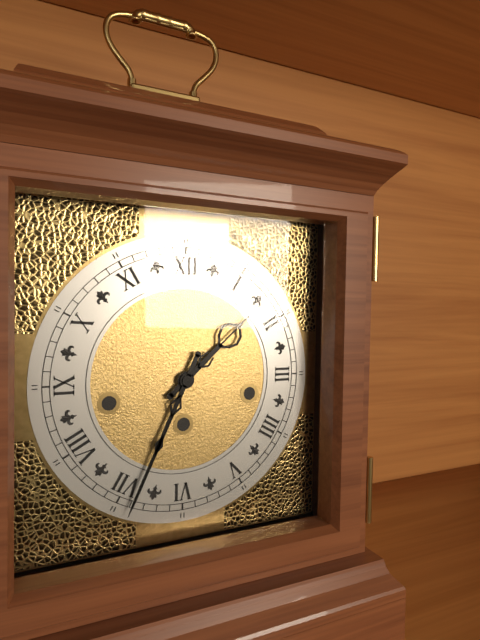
1:34
